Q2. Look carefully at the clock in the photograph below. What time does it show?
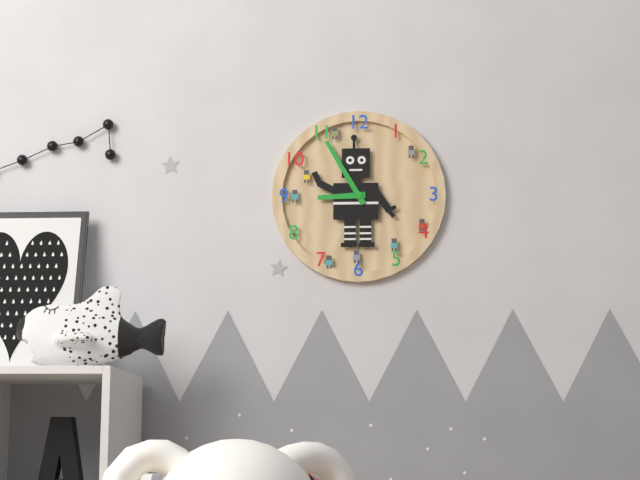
8:55
